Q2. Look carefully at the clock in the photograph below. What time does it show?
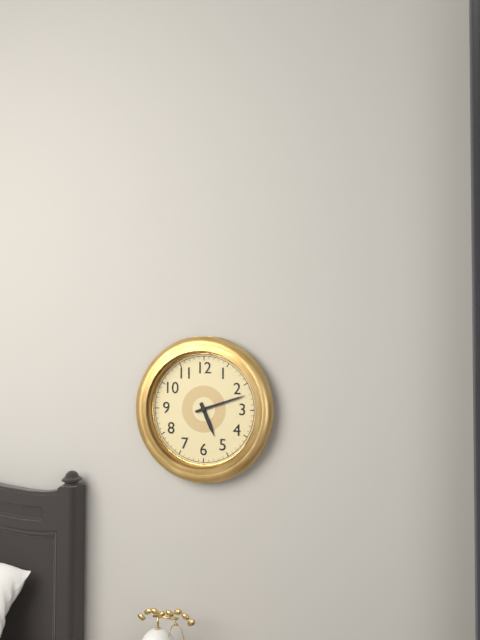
5:12
